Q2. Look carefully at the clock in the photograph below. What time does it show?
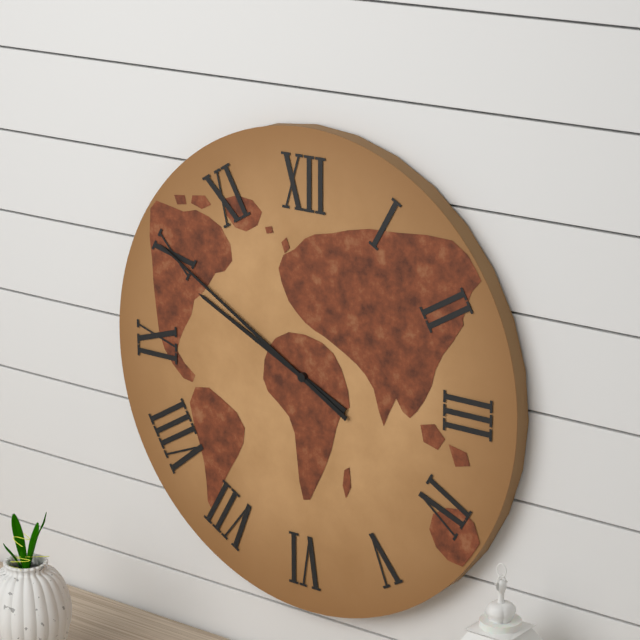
9:50
